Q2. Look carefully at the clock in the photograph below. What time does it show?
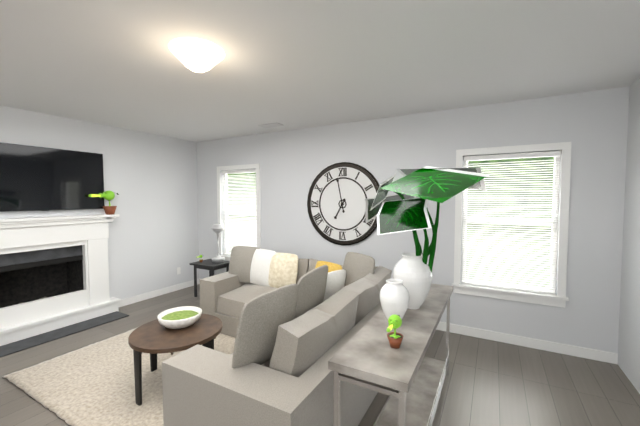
6:58
